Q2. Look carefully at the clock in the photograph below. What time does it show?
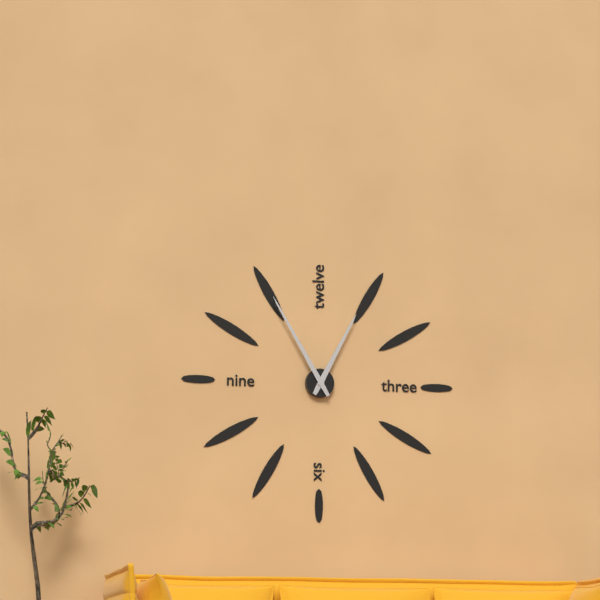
12:55
